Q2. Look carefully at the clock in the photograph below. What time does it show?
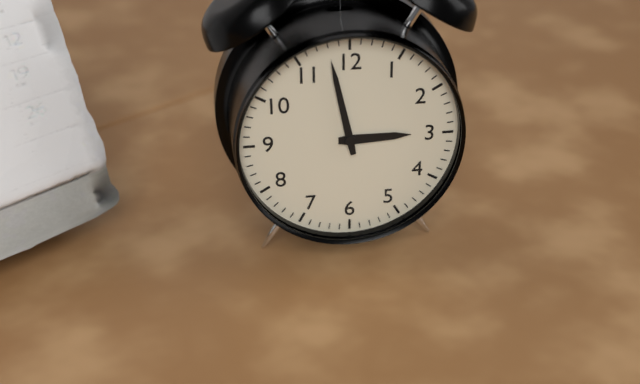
2:58
